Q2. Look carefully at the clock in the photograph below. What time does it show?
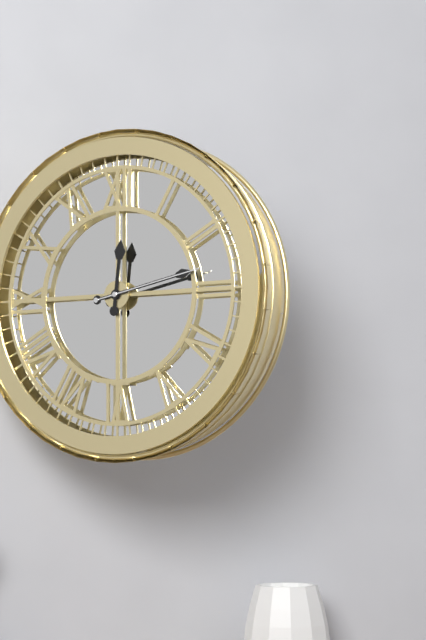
12:13:13
